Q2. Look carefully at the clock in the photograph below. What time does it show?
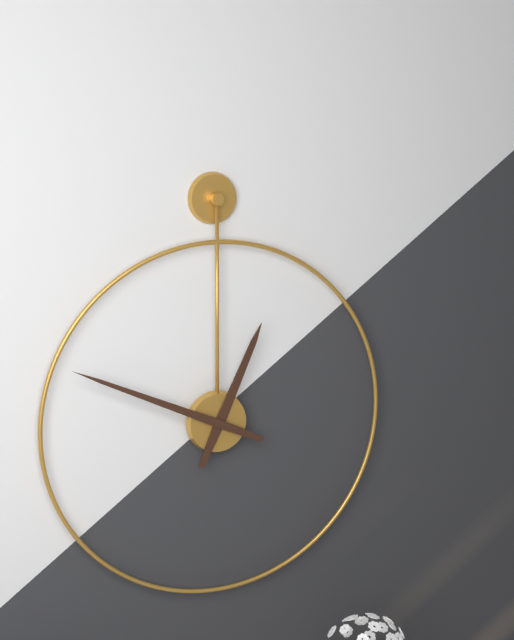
12:49
